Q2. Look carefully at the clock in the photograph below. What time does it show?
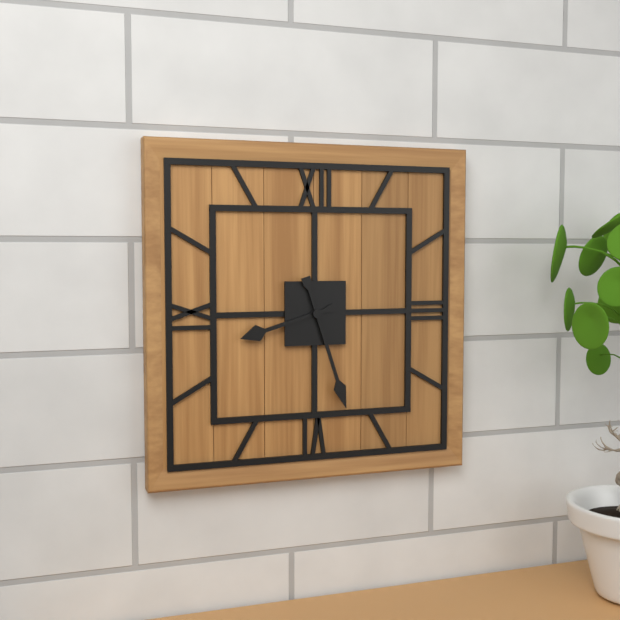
8:27
